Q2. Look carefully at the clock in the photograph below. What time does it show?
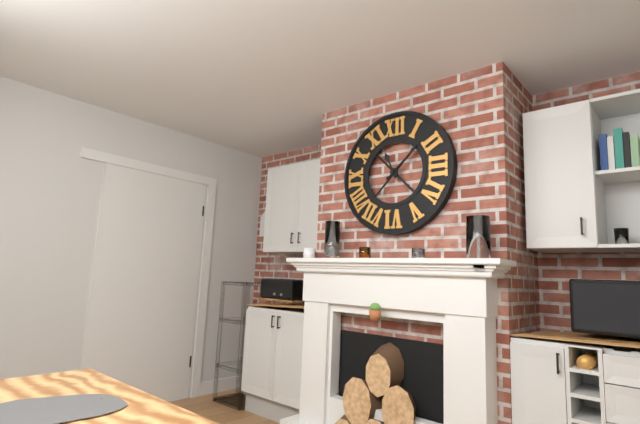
11:08
